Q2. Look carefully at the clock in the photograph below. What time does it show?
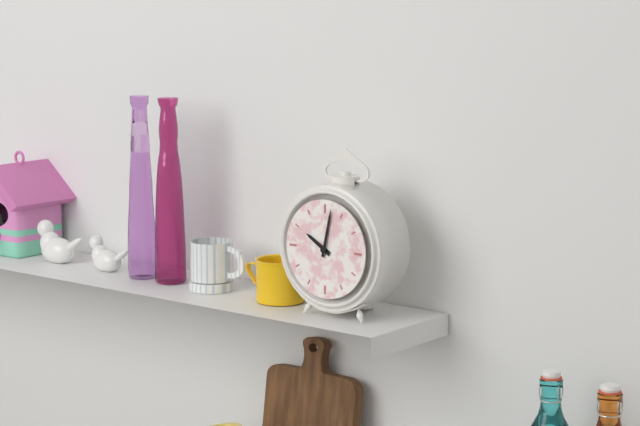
10:02
